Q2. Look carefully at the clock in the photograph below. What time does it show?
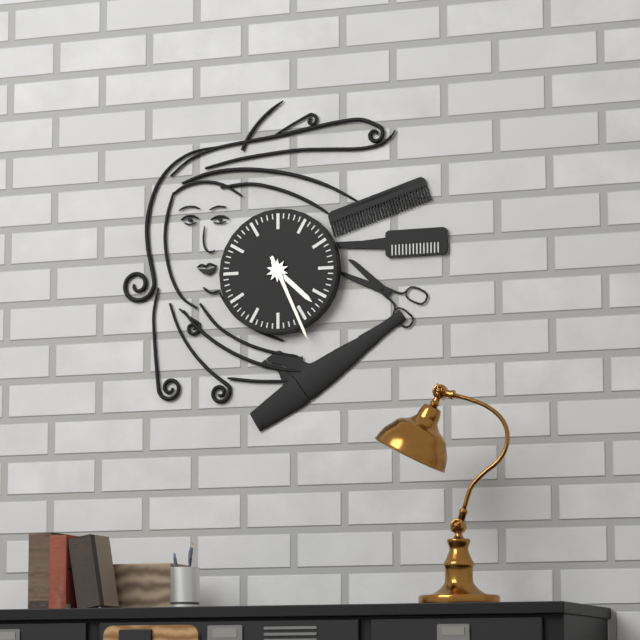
4:26
